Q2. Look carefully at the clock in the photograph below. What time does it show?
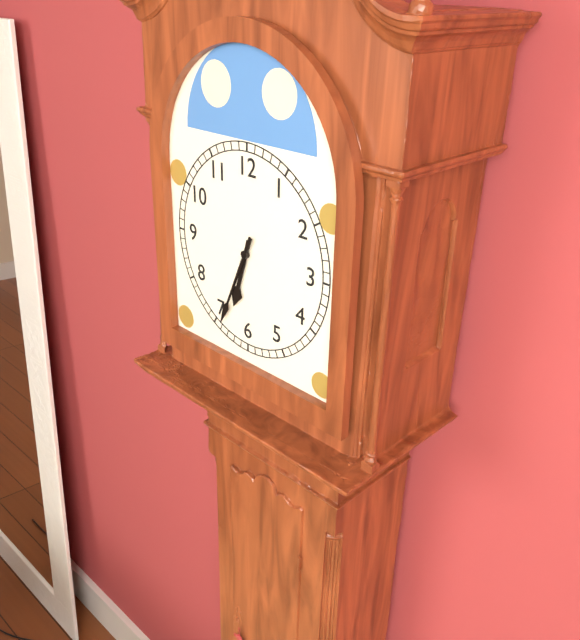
6:34
